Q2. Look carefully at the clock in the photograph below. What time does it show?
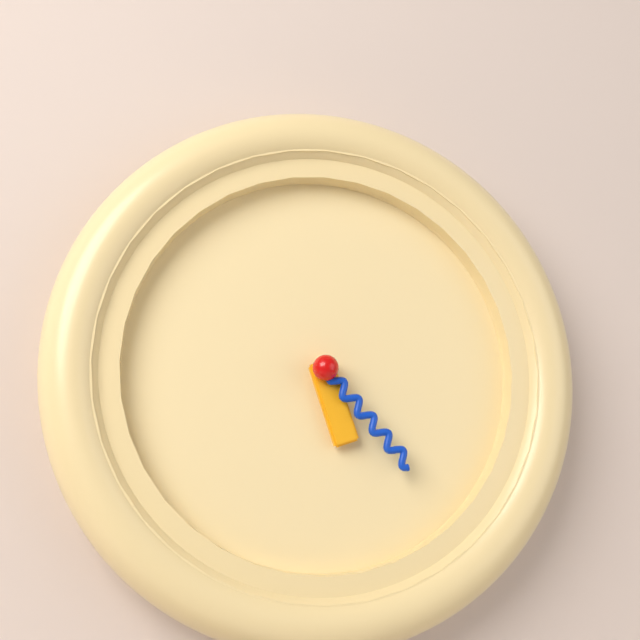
5:23
